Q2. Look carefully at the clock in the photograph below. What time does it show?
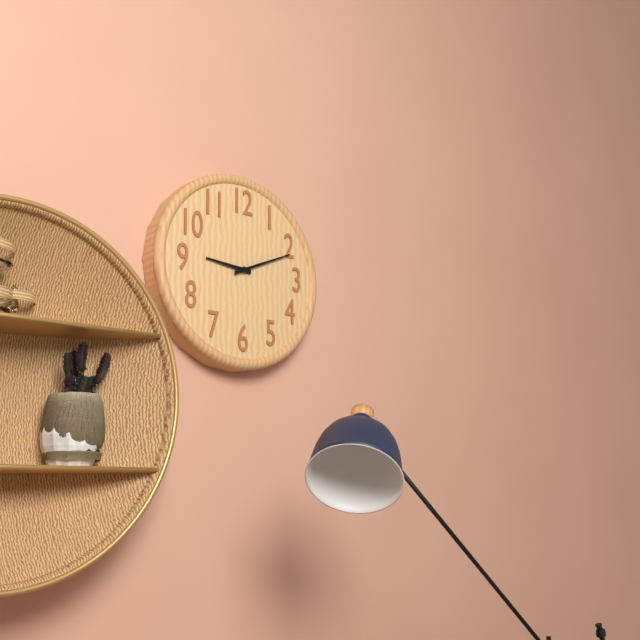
9:11
